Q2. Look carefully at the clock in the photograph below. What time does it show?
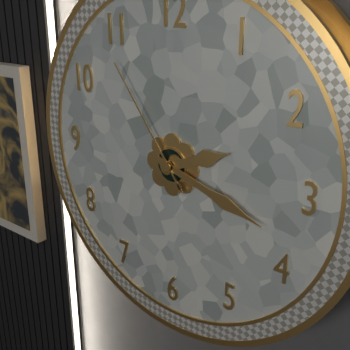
2:18:54
